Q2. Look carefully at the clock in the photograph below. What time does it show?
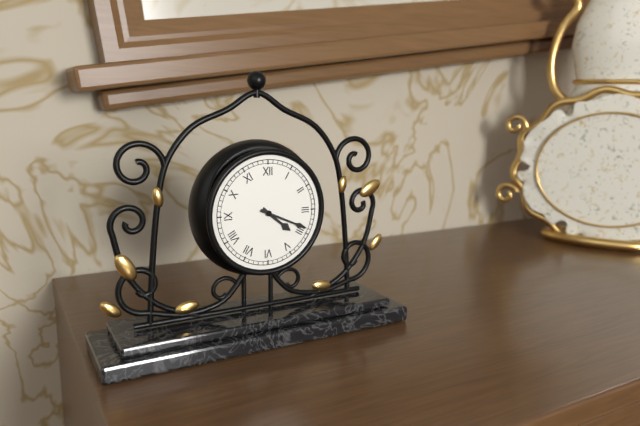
4:19
